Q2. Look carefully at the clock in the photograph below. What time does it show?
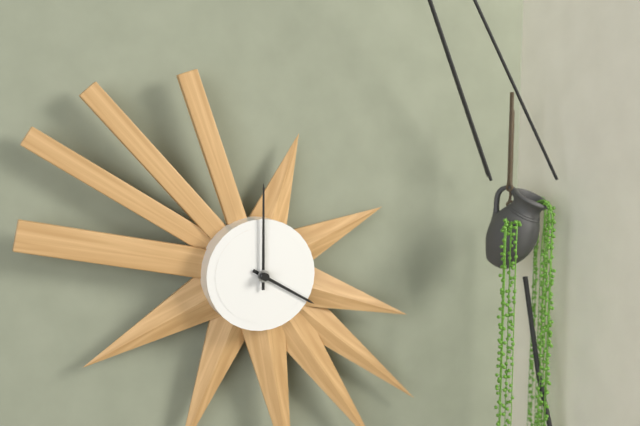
4:00
